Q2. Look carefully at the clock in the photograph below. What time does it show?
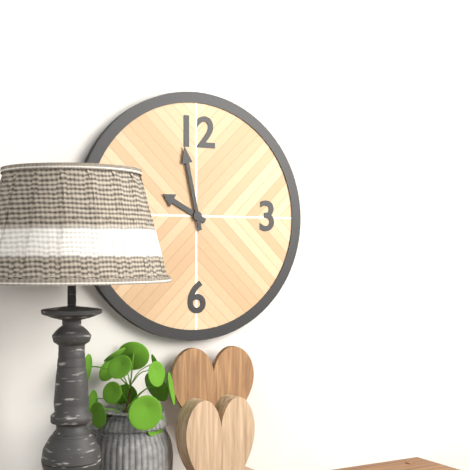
9:58
